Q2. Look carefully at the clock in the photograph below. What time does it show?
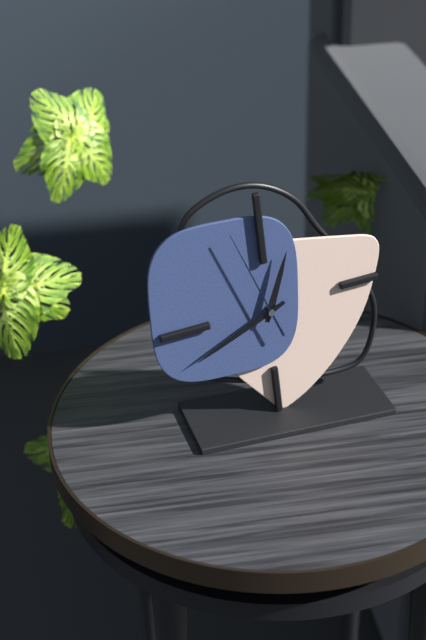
12:41:57
